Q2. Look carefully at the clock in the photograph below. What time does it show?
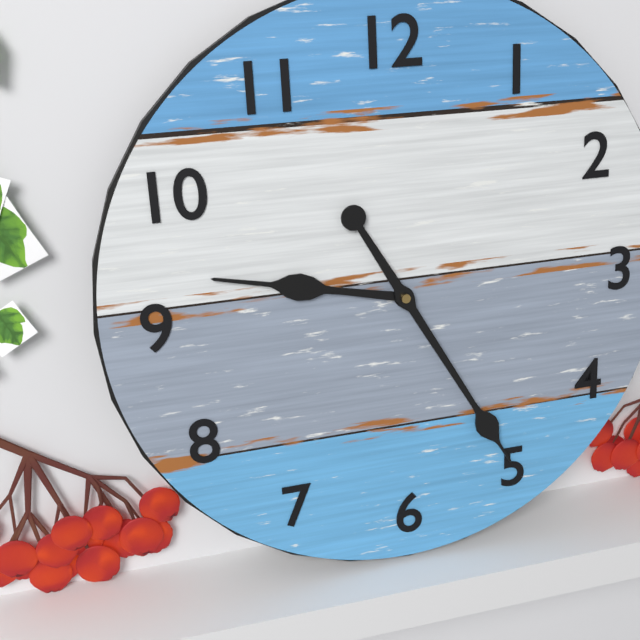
9:25
